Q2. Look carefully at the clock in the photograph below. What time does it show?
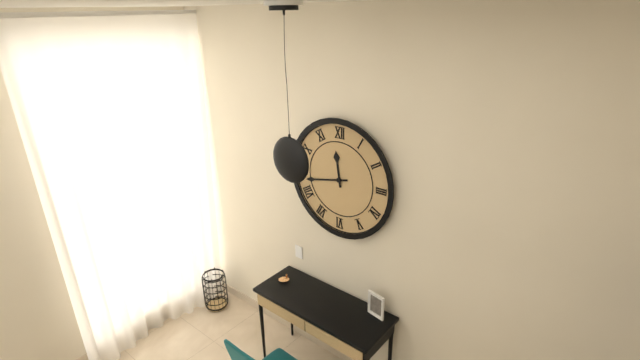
11:43
